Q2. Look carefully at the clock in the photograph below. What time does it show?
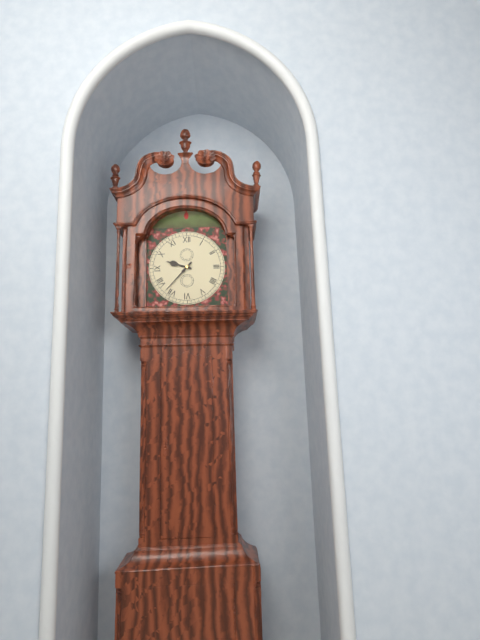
9:37
